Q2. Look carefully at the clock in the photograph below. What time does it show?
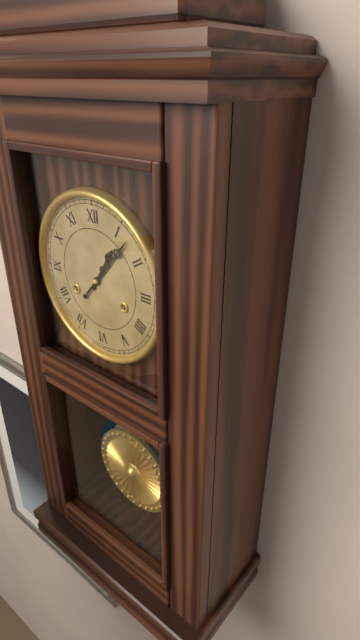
1:07
